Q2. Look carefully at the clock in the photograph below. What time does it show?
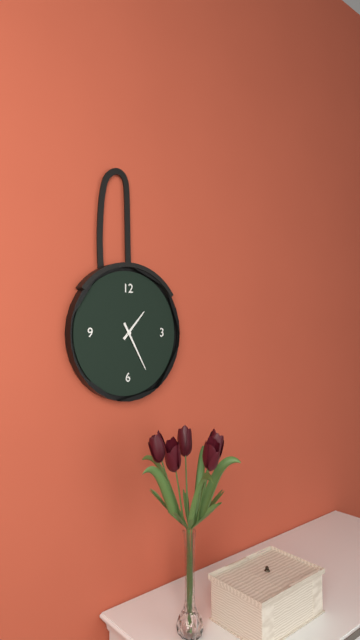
1:25
